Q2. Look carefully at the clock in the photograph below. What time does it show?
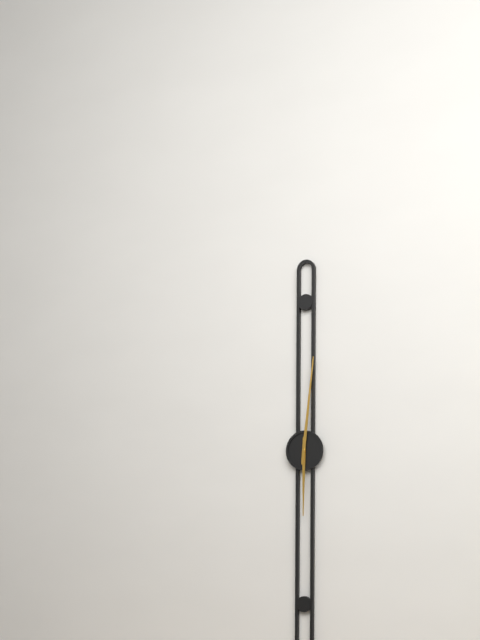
6:01
